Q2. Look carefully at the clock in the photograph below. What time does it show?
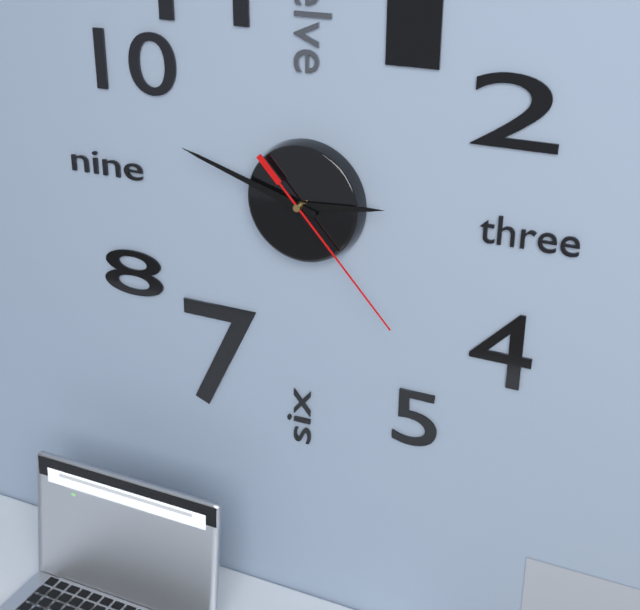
2:48:23
